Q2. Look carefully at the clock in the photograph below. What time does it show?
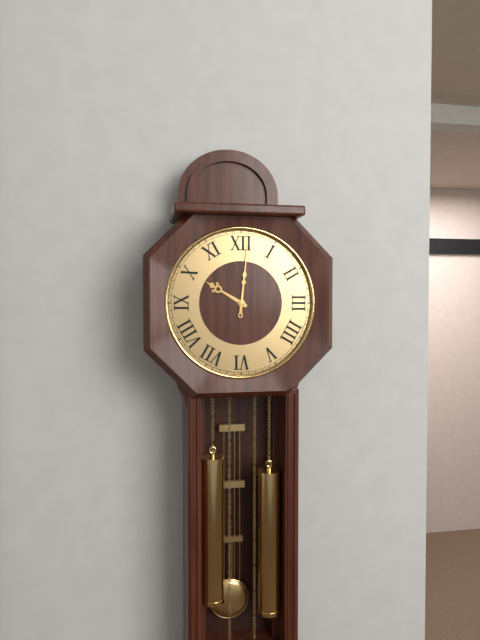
10:01
